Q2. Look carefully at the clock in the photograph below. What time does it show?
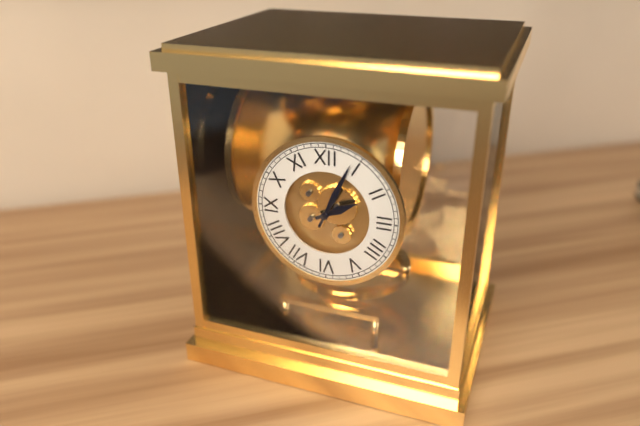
2:04
